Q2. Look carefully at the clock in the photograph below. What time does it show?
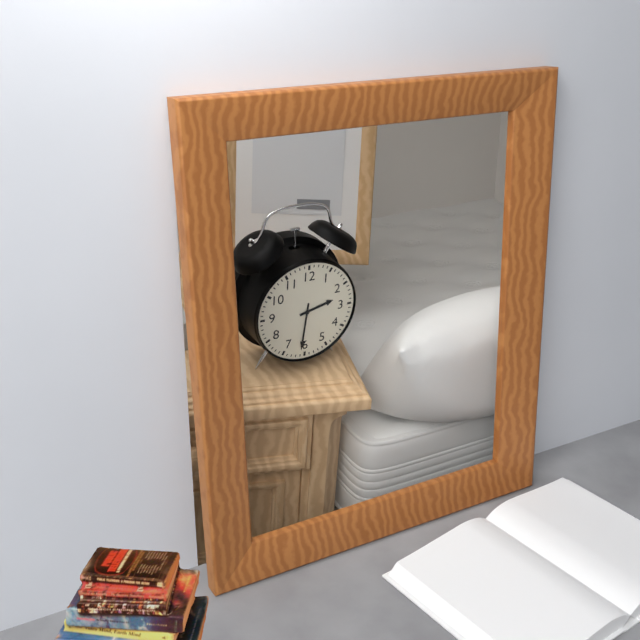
2:31
